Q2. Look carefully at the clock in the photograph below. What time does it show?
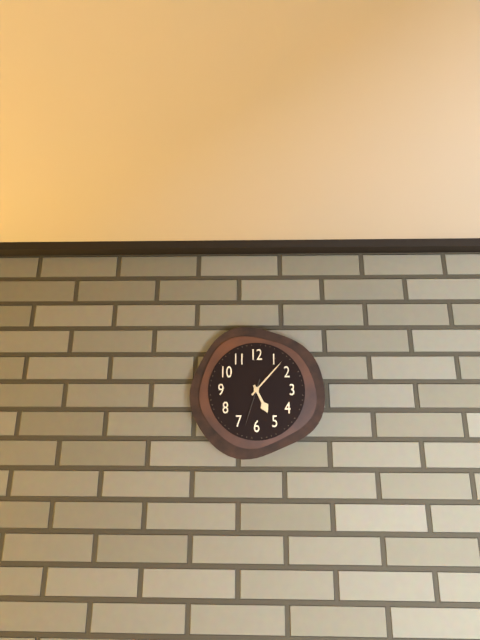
5:07
